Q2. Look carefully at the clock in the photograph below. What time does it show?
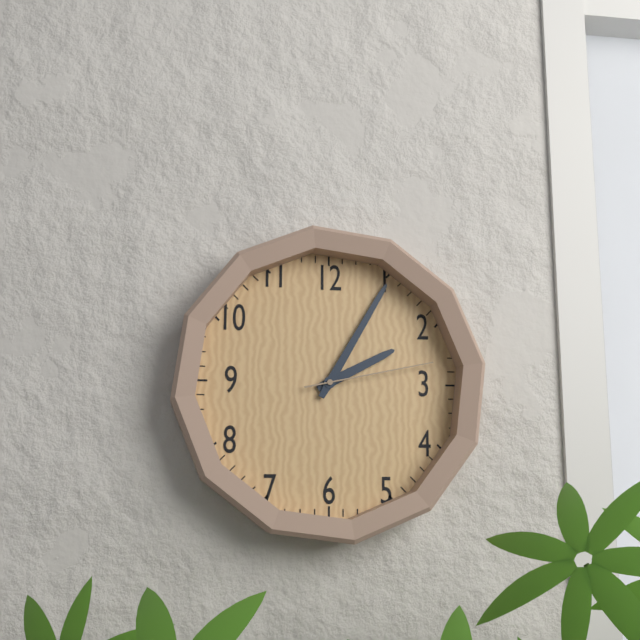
2:05:13
